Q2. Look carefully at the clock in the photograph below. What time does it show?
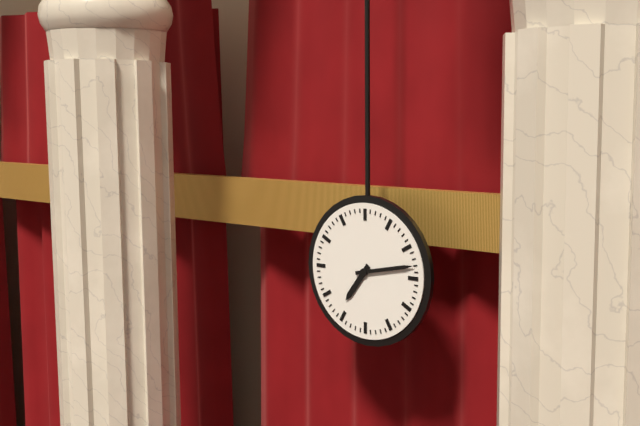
7:13
